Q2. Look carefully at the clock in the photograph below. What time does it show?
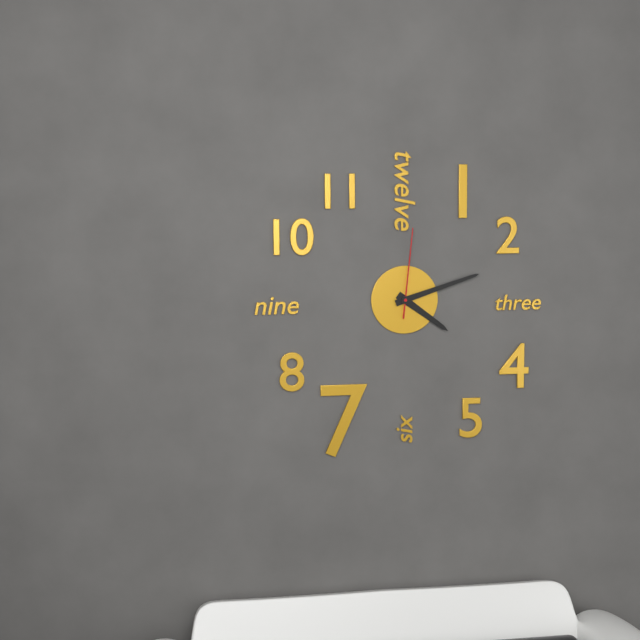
4:12:01
